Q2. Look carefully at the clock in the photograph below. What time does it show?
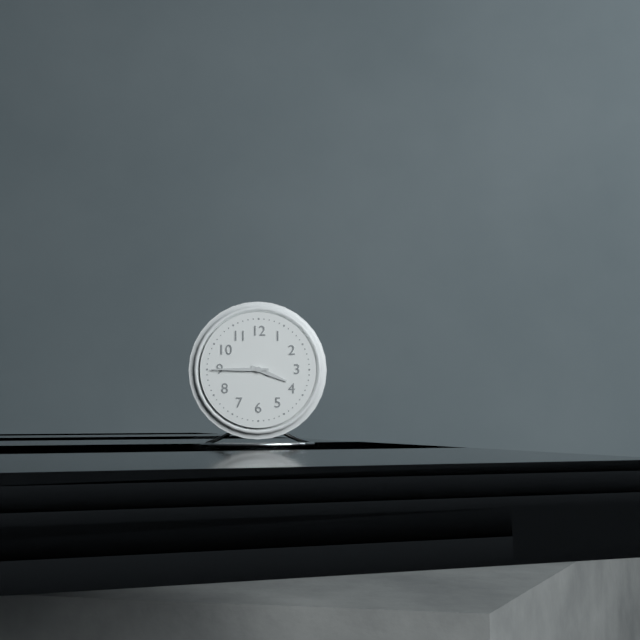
3:45
